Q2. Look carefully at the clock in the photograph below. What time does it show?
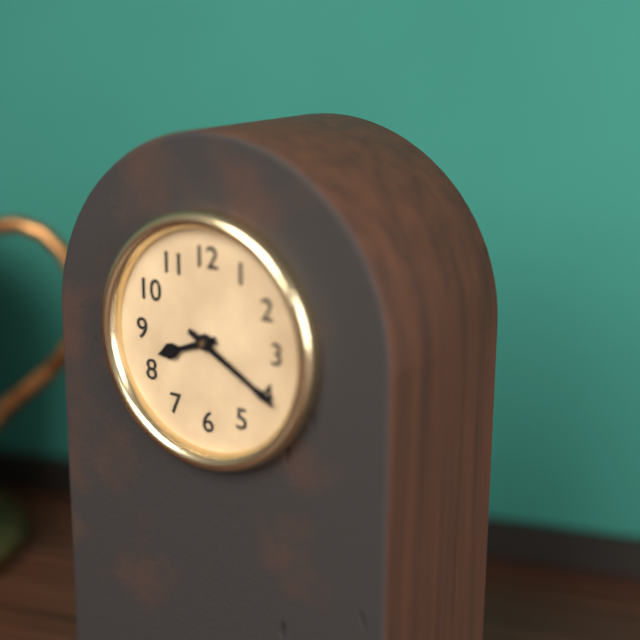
8:20
